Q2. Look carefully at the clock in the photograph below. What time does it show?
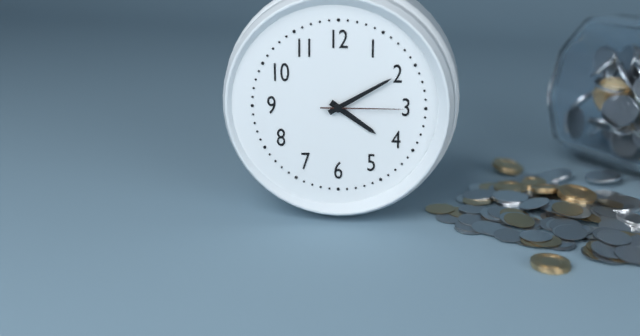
4:10:15
